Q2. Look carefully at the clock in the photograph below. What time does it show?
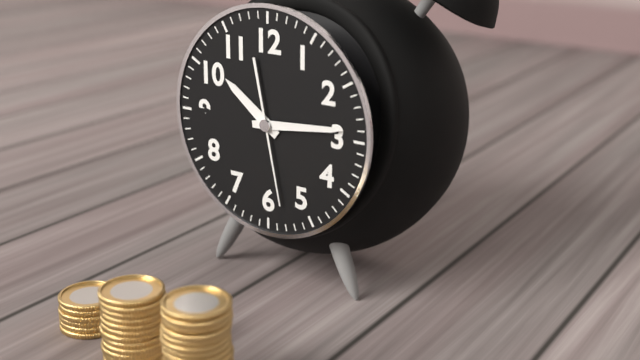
10:14:28
